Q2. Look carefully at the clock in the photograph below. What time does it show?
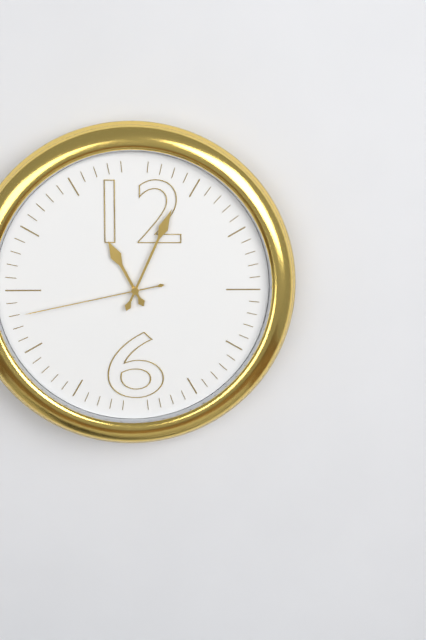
11:04:43
